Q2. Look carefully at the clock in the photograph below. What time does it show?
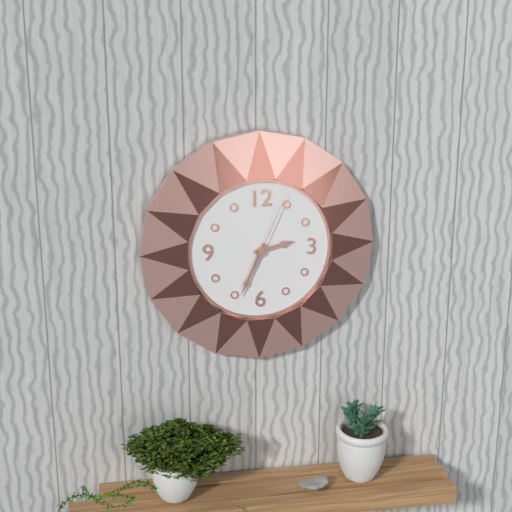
2:34:04
